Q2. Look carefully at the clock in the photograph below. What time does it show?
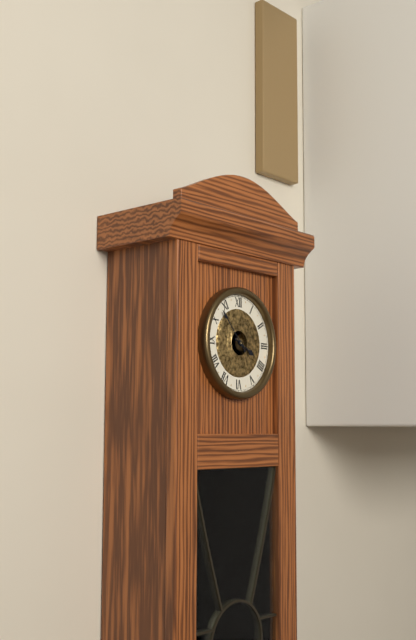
3:53
